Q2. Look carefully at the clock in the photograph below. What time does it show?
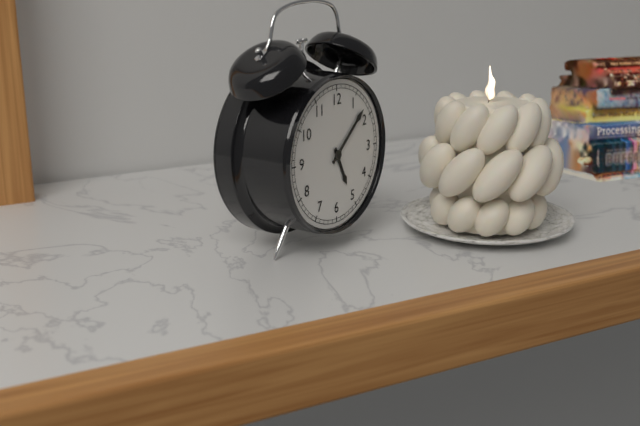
5:08
